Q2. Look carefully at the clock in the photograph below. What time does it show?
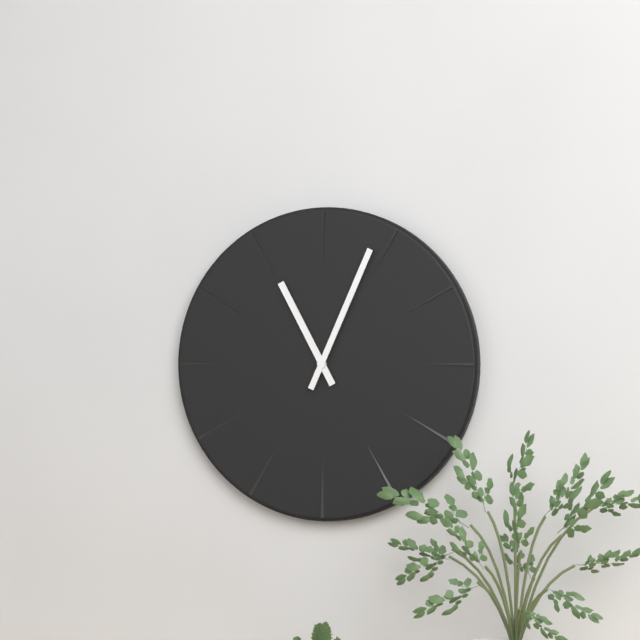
11:04
